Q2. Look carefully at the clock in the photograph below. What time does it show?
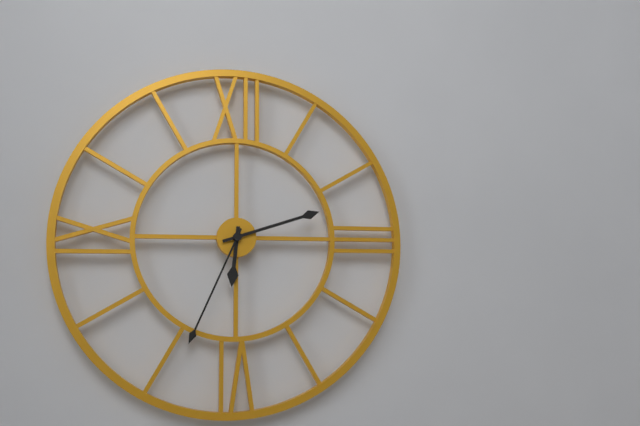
6:12:34
